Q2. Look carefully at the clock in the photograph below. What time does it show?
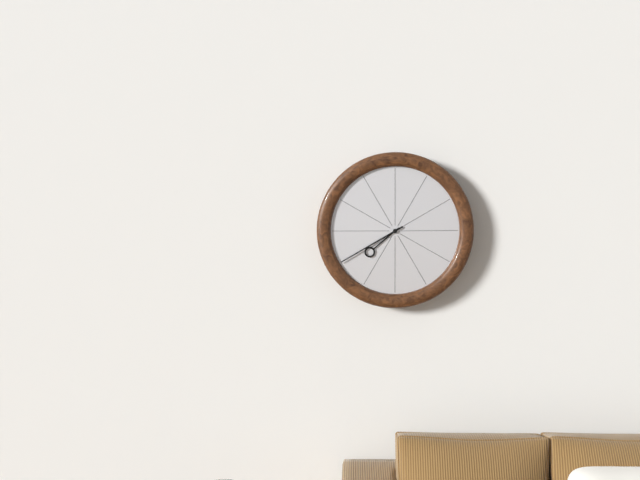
7:40
